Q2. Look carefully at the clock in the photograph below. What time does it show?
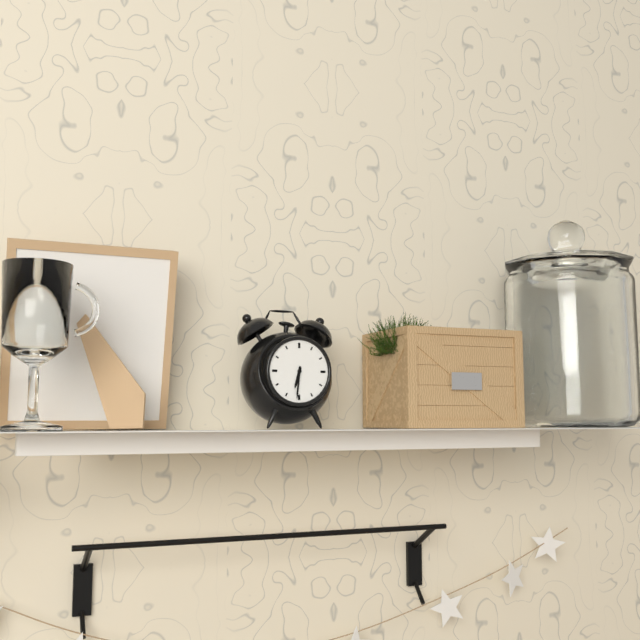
6:31
